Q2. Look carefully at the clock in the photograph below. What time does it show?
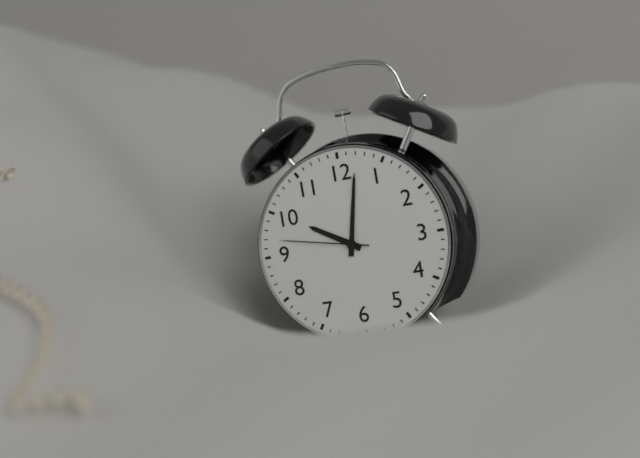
10:02:47
